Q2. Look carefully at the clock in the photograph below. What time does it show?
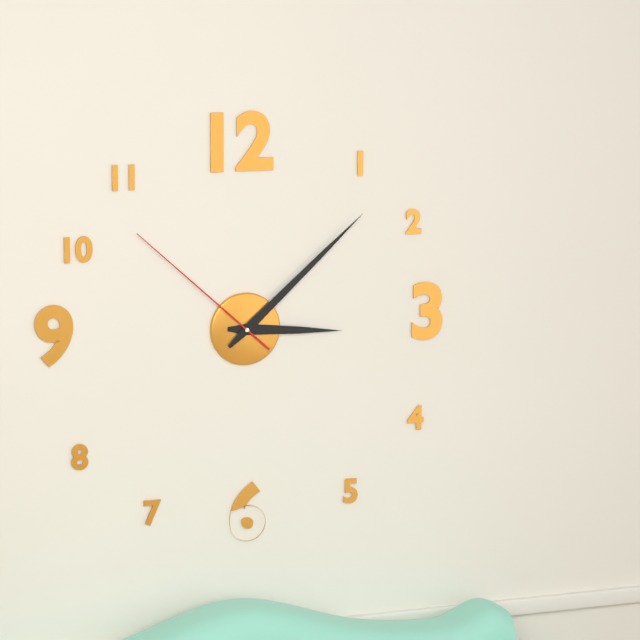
3:08:52
